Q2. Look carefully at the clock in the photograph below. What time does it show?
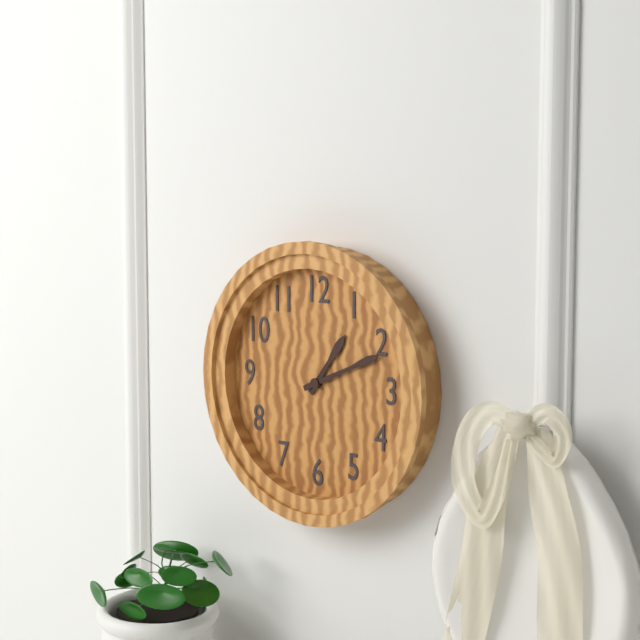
1:11
